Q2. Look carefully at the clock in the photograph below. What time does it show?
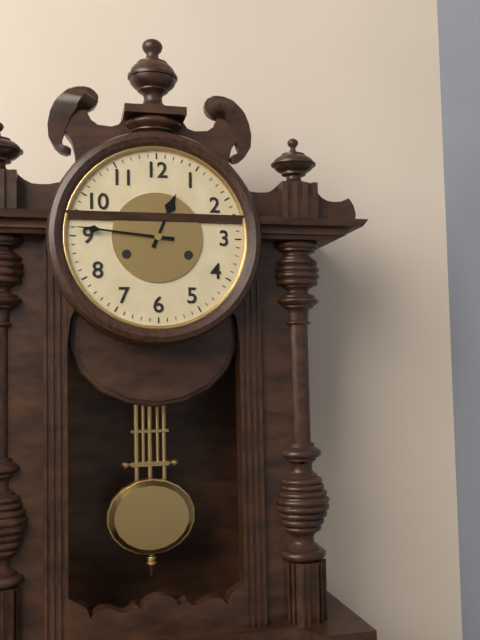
12:46
